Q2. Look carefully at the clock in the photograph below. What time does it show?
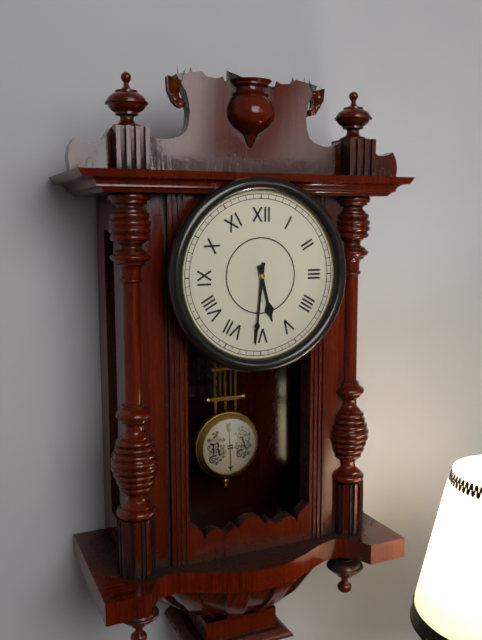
5:31
